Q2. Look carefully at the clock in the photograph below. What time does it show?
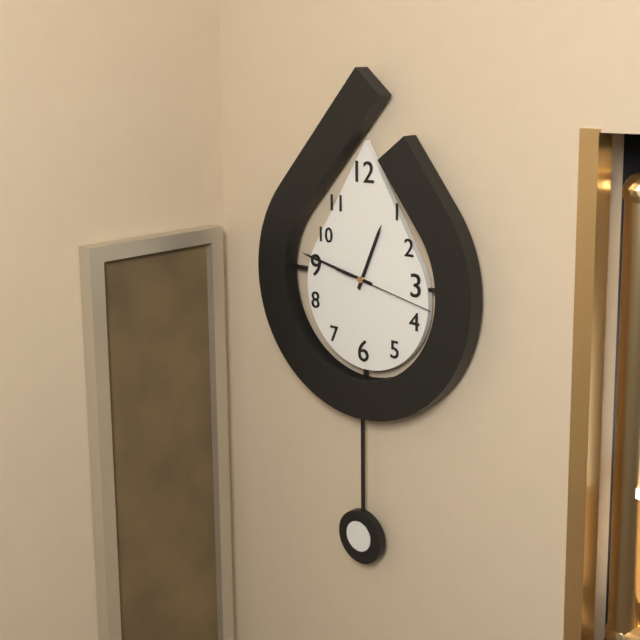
12:47:17
